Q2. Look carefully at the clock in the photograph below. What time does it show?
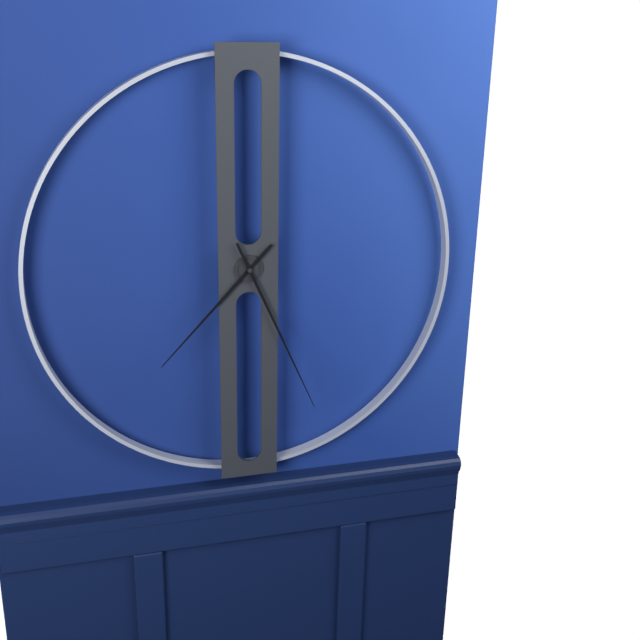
7:26
